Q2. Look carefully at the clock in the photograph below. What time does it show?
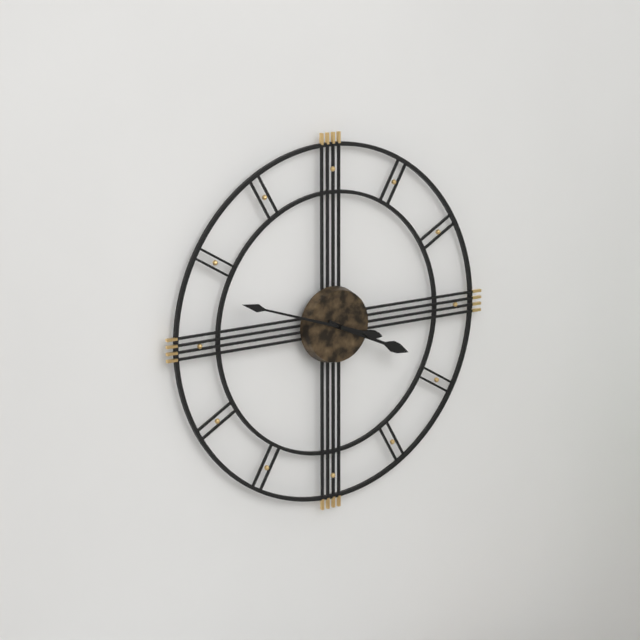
3:48
